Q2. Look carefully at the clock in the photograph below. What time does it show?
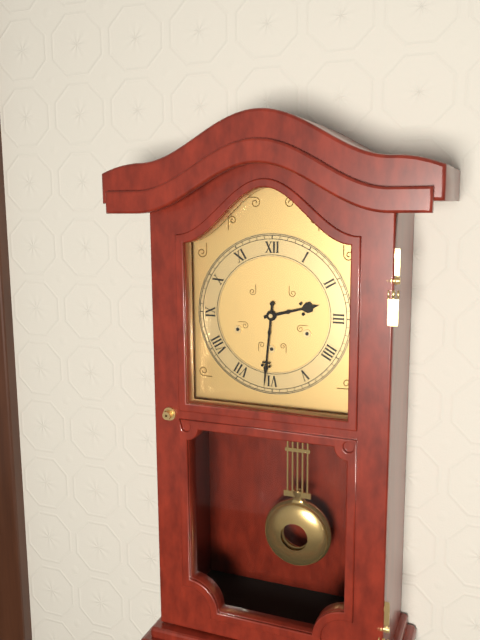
2:31
